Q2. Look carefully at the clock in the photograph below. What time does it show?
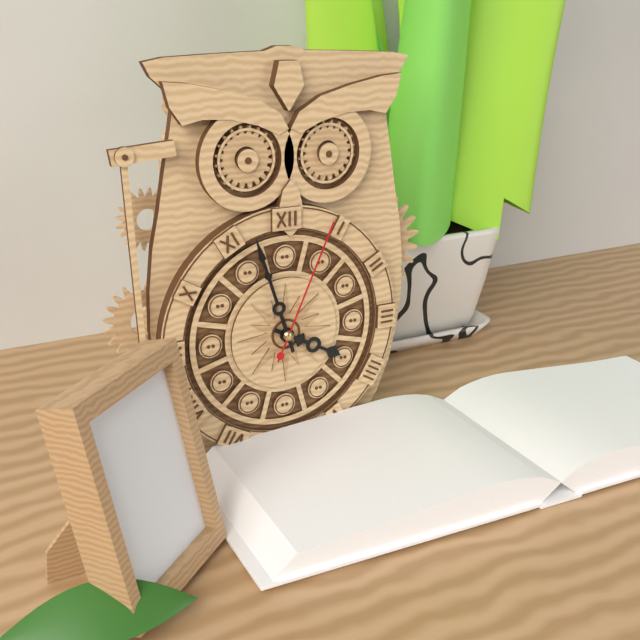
3:57:04
